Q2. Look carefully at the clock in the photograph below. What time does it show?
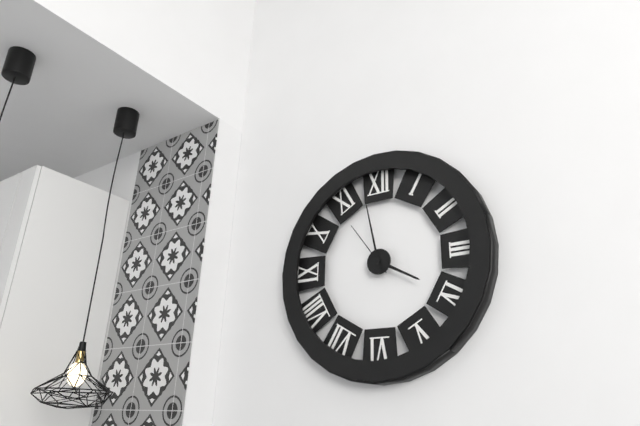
3:58:54
